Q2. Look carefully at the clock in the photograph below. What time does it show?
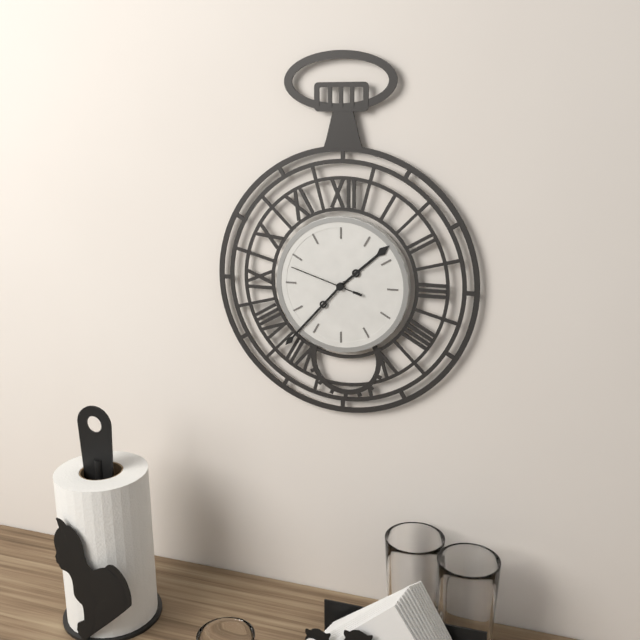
1:37:48
